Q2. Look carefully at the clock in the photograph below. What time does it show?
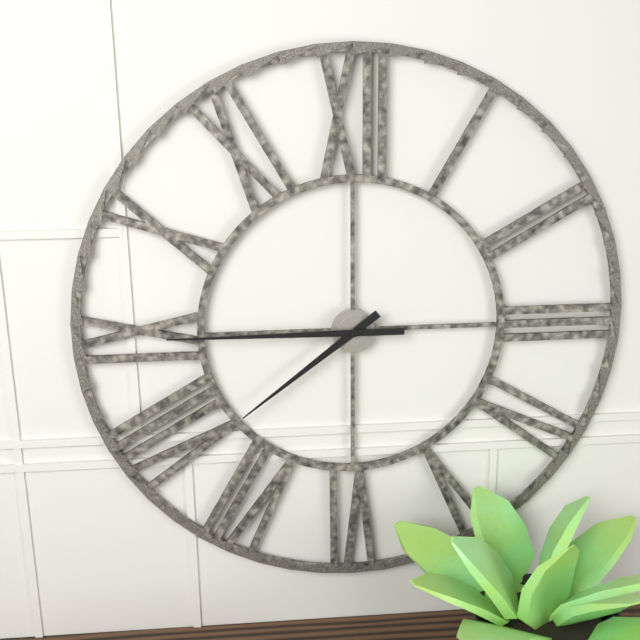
7:45
